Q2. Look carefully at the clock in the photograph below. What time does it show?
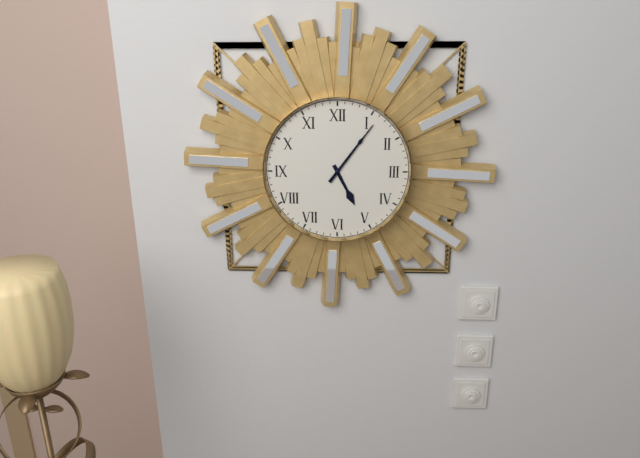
5:06
